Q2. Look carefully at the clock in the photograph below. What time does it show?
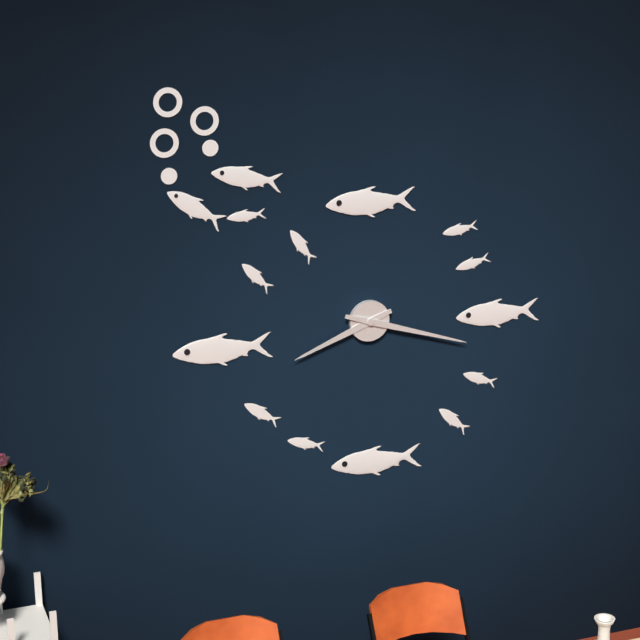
8:18
